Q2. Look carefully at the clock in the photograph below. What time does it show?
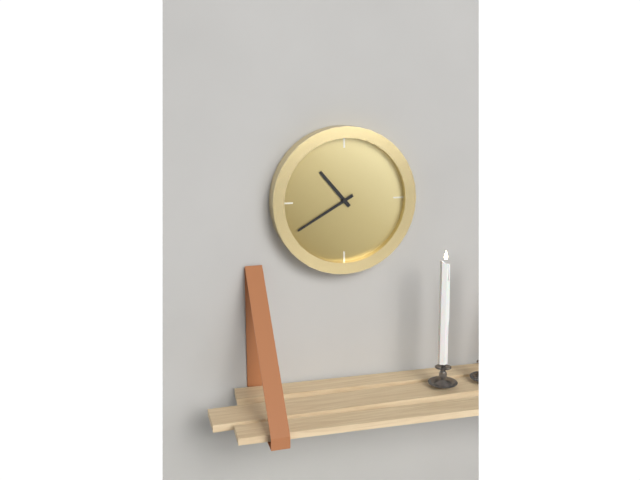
10:40
